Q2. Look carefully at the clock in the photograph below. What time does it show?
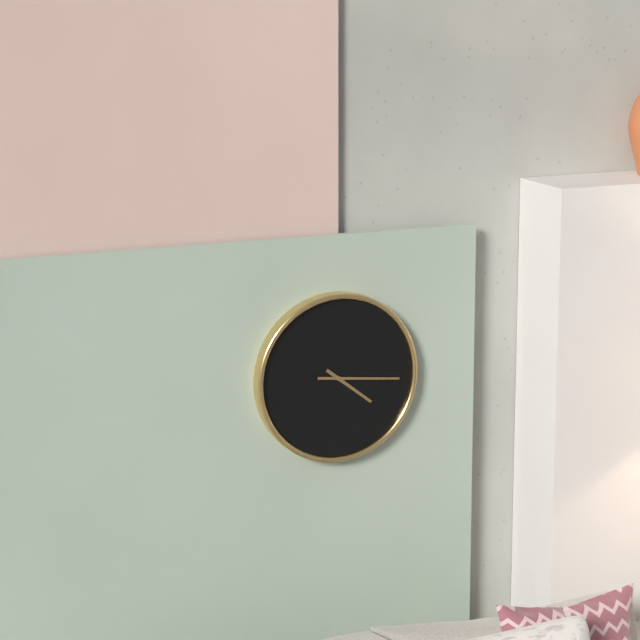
4:16
